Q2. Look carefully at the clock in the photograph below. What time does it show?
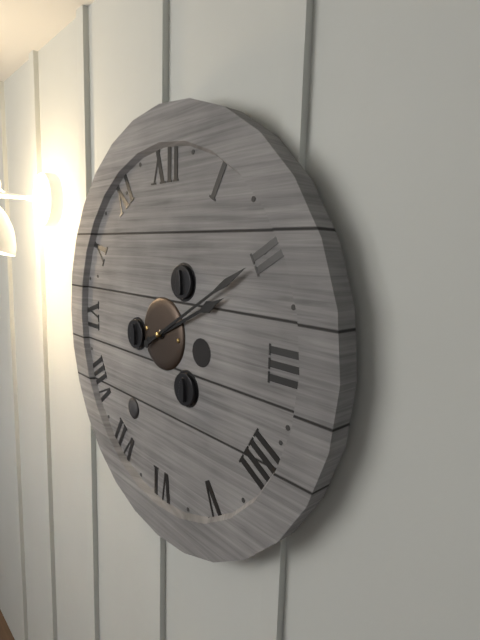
2:10
